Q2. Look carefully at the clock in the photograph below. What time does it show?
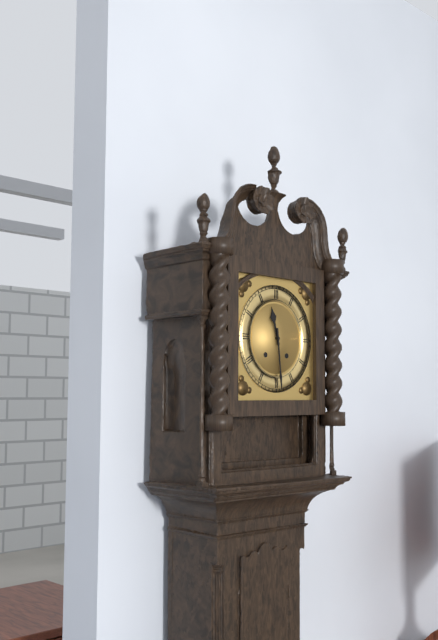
11:29
